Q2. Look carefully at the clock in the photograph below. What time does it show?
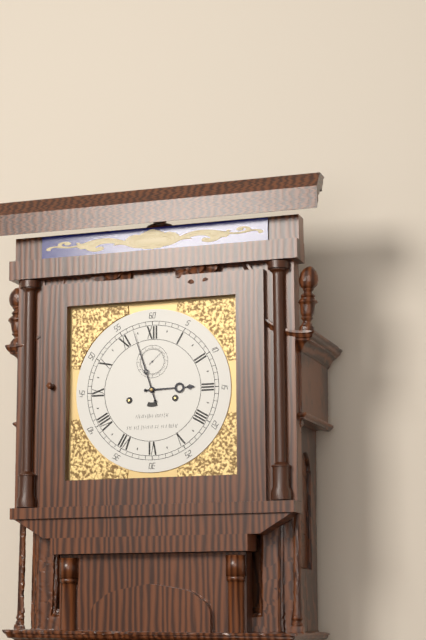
2:57
